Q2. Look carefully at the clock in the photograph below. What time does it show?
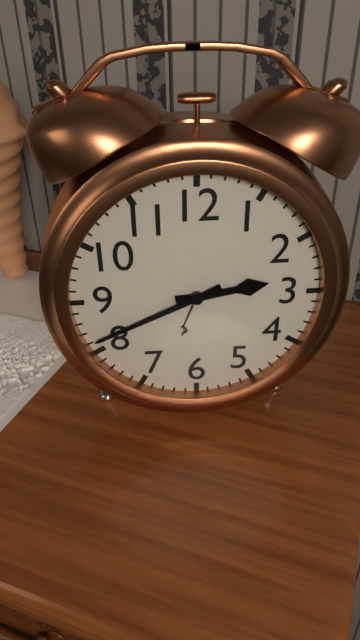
2:41
